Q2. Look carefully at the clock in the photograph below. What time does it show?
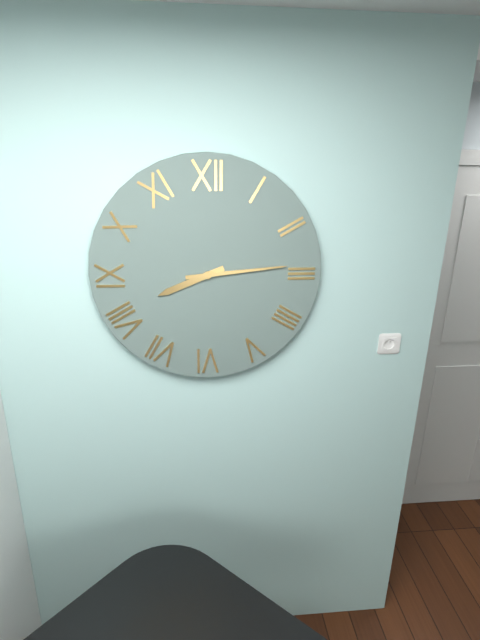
8:14
